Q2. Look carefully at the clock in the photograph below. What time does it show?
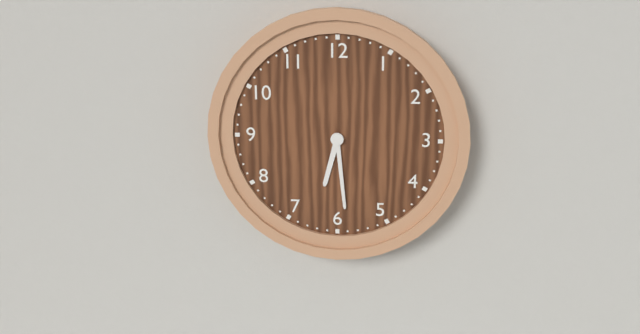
6:29
